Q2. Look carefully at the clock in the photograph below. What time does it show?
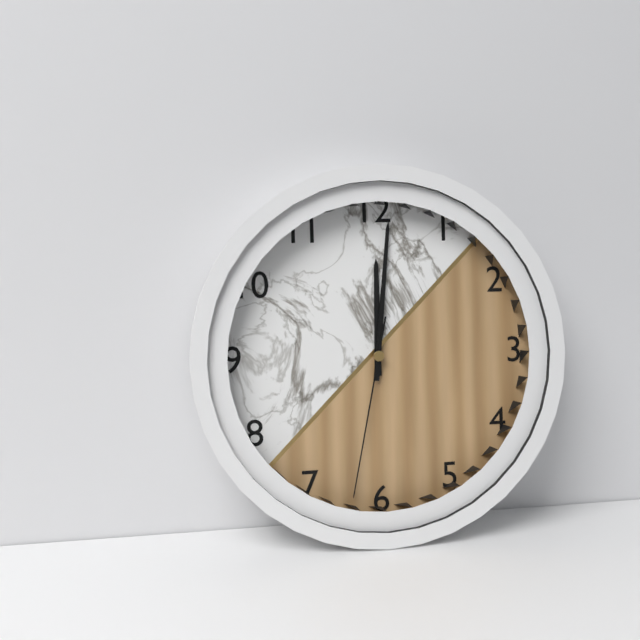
12:01:32
